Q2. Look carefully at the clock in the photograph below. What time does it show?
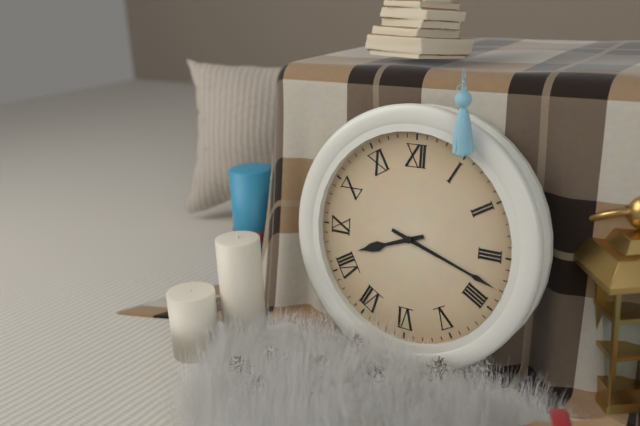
8:18
